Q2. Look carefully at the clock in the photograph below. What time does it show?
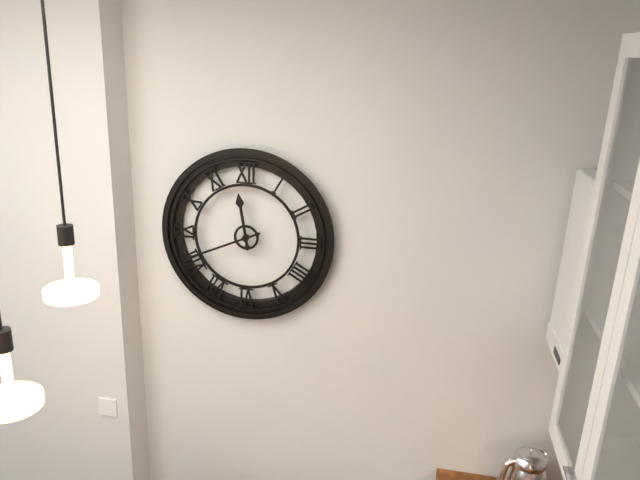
11:41
